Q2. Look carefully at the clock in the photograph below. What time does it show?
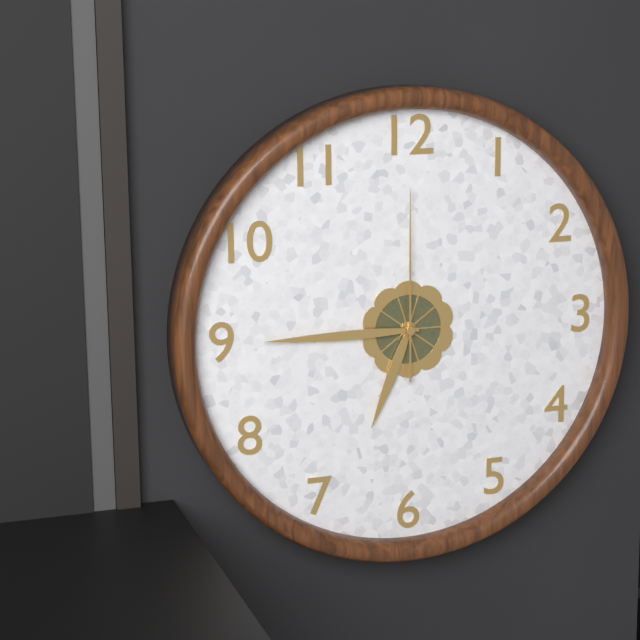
6:45:00
